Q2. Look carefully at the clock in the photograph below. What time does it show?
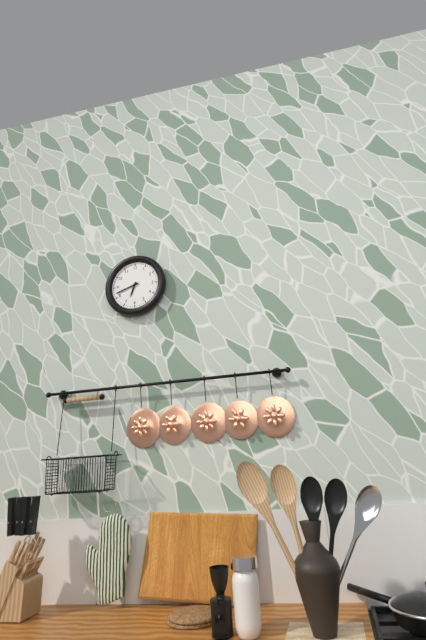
6:42
